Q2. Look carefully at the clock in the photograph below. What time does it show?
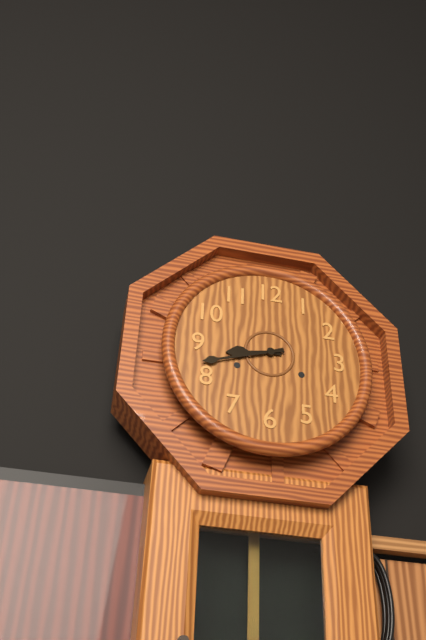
8:42
